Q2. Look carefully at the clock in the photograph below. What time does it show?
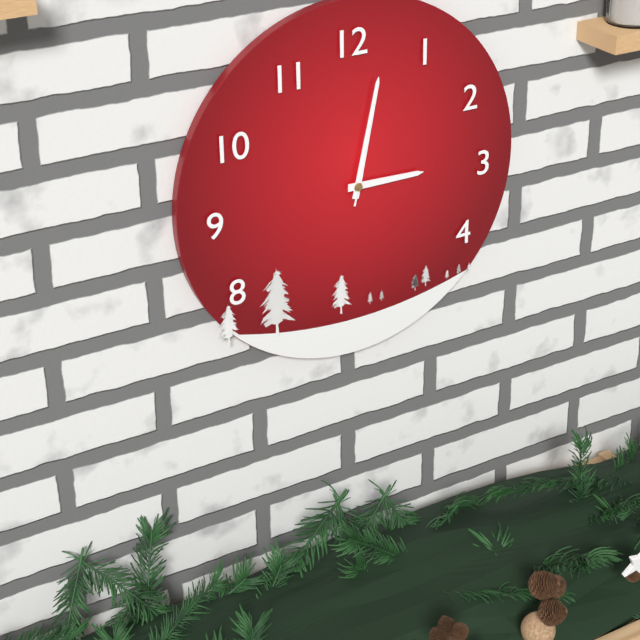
3:02:02
